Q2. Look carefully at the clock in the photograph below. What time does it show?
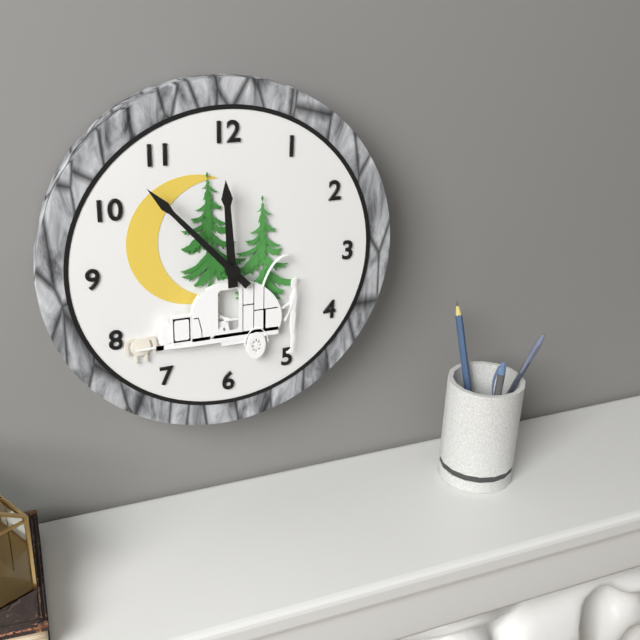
11:53
